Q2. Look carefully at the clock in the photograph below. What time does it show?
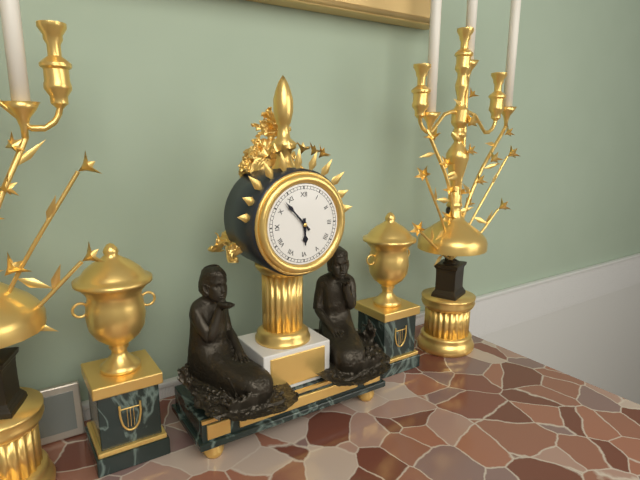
5:53
